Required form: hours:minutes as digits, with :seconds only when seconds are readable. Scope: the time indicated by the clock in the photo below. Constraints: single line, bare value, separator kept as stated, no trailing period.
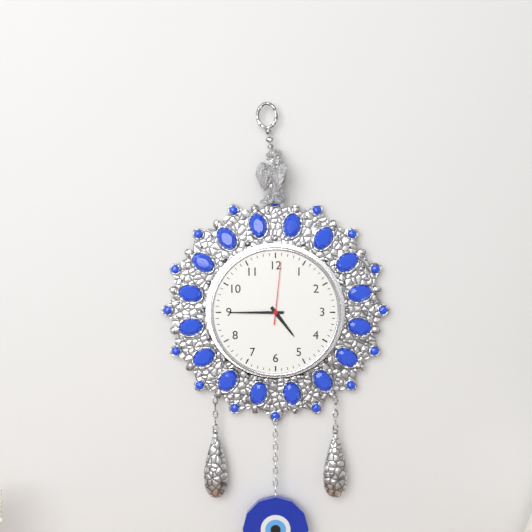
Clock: 4:45:01
